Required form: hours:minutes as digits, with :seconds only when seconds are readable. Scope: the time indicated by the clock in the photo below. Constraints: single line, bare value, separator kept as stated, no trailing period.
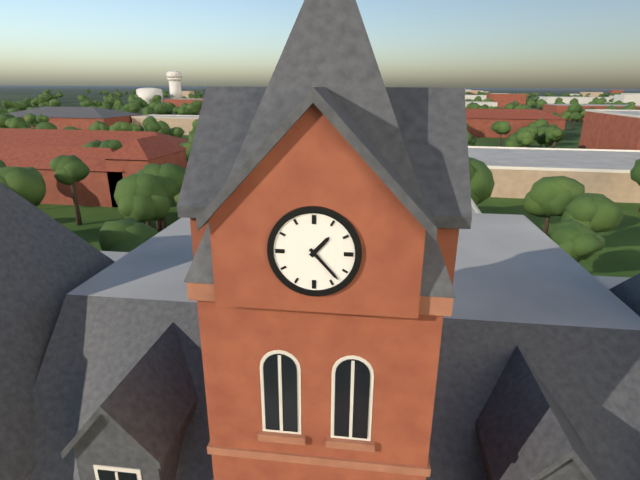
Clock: 1:23
